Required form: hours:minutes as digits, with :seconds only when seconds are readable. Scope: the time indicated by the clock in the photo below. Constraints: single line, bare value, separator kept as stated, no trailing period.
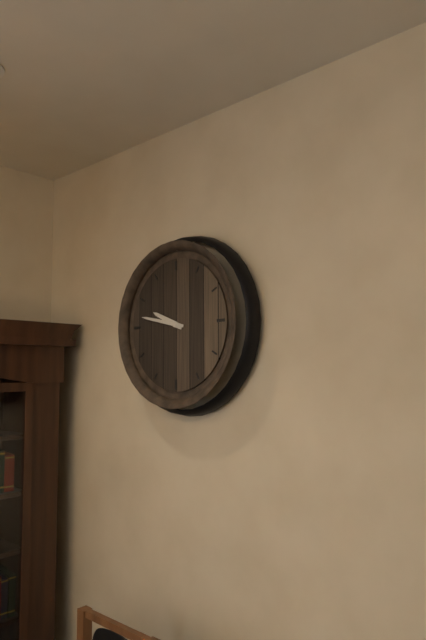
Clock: 9:47
